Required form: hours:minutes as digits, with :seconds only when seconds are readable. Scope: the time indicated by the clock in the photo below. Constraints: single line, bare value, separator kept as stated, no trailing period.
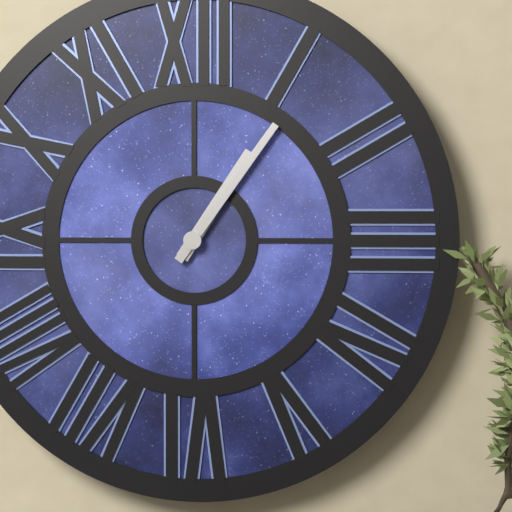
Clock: 1:06
